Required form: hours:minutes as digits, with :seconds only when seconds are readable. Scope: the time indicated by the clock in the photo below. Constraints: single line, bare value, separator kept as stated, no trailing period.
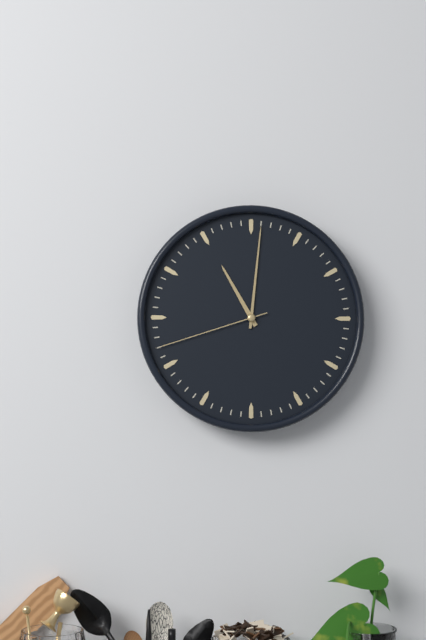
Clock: 11:01:42
